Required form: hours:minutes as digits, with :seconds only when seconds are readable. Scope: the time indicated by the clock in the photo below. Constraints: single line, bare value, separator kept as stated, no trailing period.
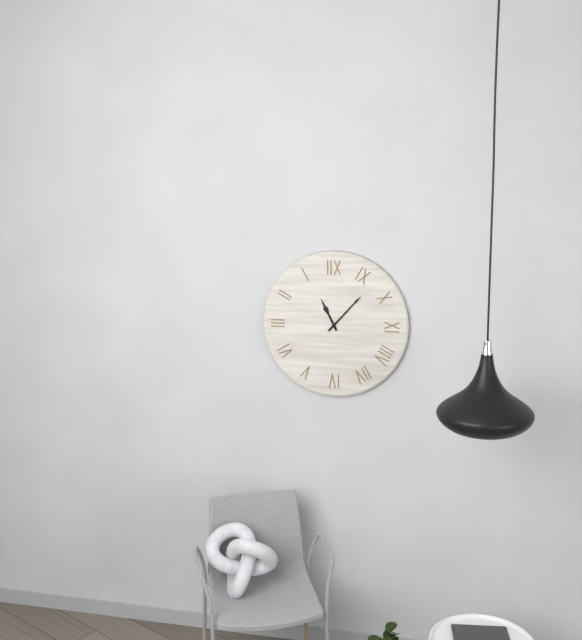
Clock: 11:07
